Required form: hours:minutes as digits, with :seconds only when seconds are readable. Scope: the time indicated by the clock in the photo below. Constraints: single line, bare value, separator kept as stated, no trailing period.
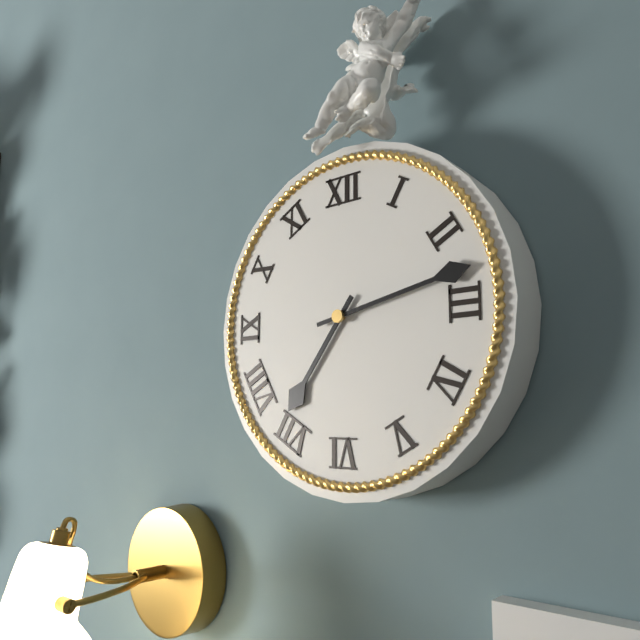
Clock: 7:13
